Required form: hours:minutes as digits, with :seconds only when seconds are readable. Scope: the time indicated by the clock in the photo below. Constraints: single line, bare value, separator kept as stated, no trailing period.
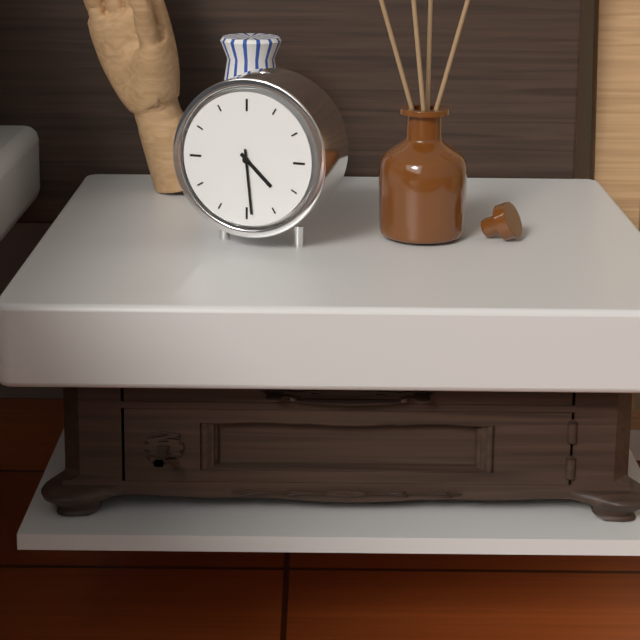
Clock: 4:29
